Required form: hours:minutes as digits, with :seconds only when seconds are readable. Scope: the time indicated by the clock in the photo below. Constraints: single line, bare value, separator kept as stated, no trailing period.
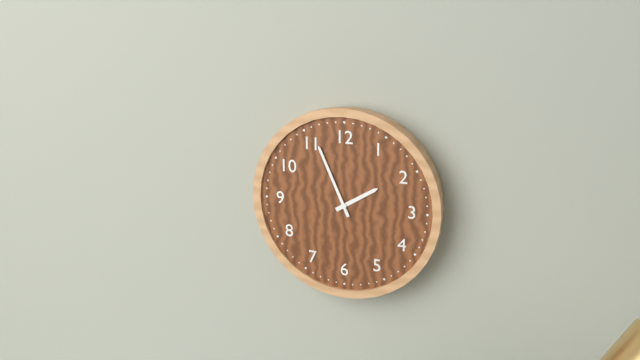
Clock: 1:56
